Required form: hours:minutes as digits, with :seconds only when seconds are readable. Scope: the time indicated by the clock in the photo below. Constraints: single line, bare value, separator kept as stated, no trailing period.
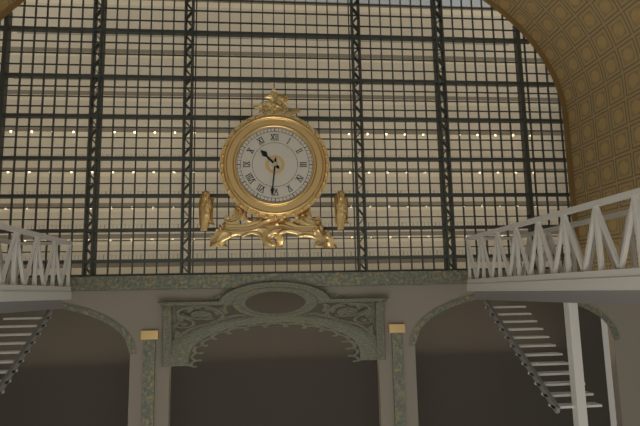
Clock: 10:31
